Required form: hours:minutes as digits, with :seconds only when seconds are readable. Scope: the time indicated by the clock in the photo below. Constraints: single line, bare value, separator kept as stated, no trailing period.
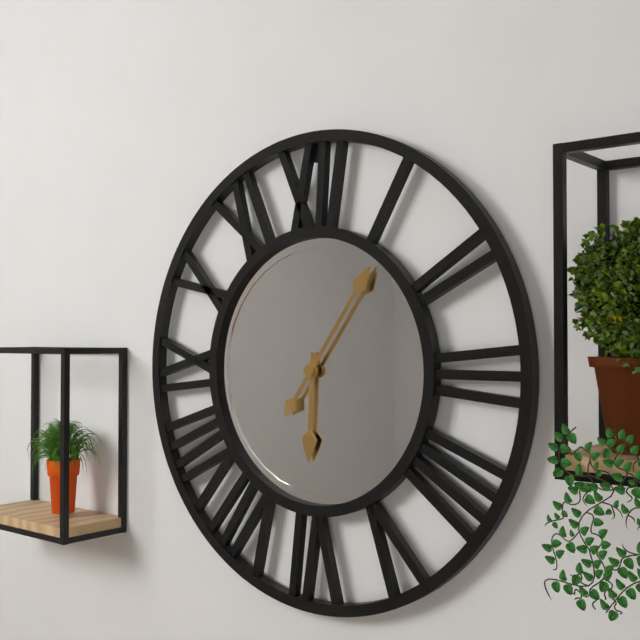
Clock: 6:06
